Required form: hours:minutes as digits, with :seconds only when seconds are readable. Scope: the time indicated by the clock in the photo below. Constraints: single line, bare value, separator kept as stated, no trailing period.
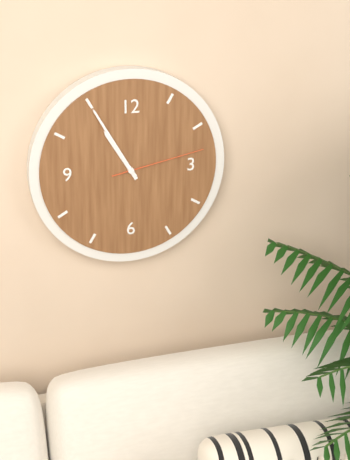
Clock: 10:55:13
